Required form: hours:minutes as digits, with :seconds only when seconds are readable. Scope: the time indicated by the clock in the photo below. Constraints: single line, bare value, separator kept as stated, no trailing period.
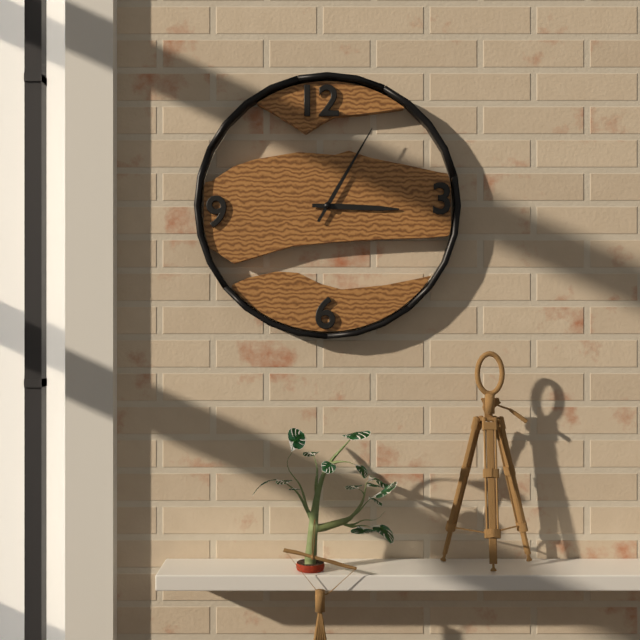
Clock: 3:05
